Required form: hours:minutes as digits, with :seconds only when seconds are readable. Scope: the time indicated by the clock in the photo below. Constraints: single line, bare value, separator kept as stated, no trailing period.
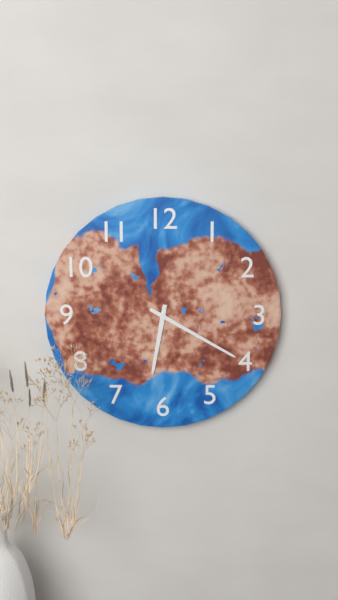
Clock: 6:20
